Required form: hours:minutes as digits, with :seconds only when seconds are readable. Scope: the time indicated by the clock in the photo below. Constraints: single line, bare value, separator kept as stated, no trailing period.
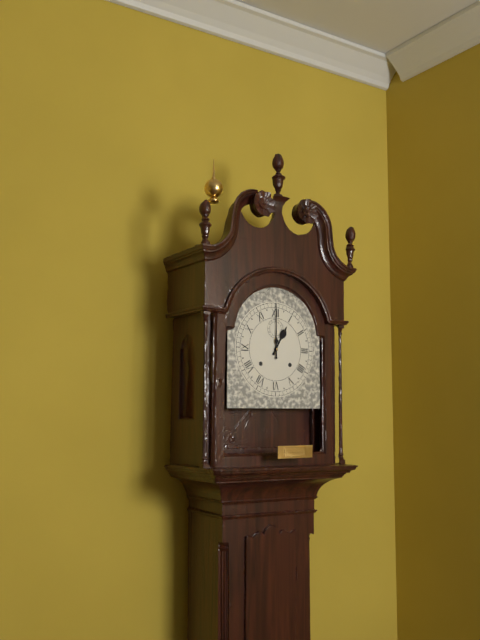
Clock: 1:00
